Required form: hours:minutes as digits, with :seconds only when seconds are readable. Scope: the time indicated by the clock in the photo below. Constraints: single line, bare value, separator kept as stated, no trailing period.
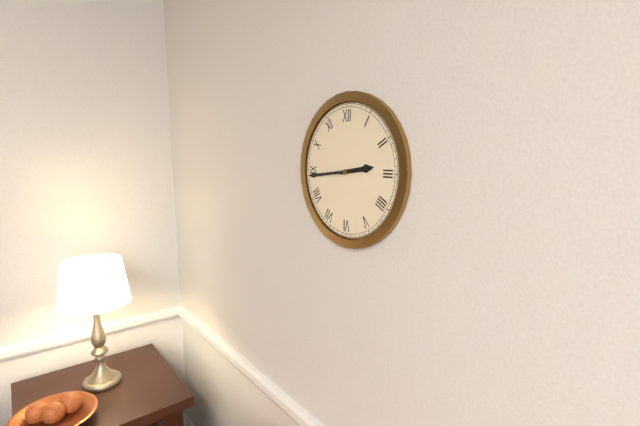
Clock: 2:44
